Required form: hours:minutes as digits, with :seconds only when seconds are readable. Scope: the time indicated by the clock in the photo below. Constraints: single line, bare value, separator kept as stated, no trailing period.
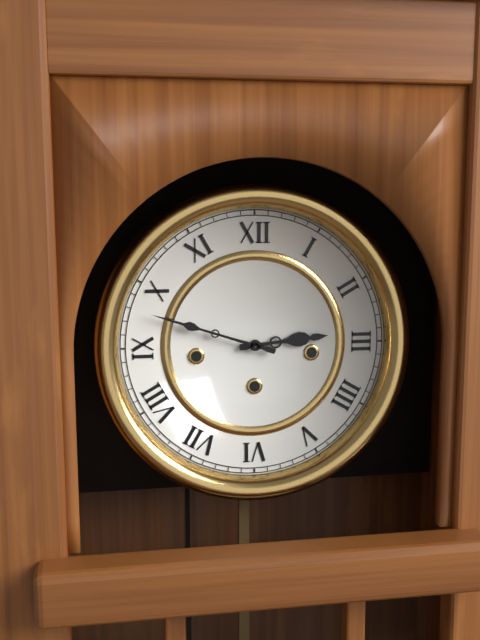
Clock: 2:48
